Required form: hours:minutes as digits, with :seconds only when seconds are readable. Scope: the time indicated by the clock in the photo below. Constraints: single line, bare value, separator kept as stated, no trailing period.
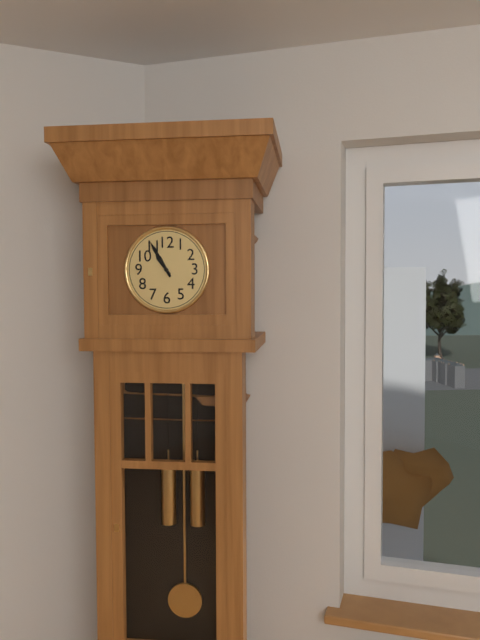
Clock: 10:55
